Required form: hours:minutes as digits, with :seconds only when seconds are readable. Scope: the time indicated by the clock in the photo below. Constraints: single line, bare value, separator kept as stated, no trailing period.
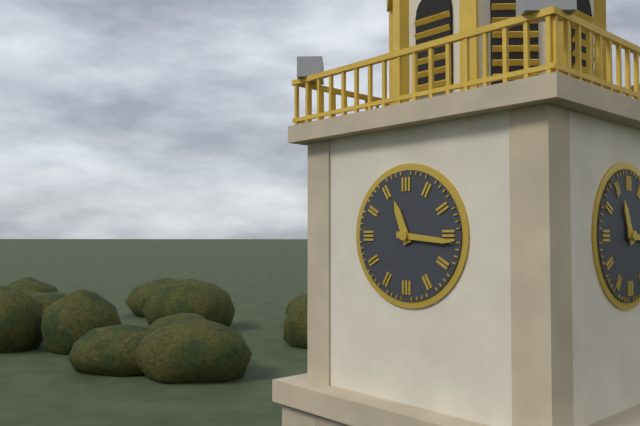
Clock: 11:16
